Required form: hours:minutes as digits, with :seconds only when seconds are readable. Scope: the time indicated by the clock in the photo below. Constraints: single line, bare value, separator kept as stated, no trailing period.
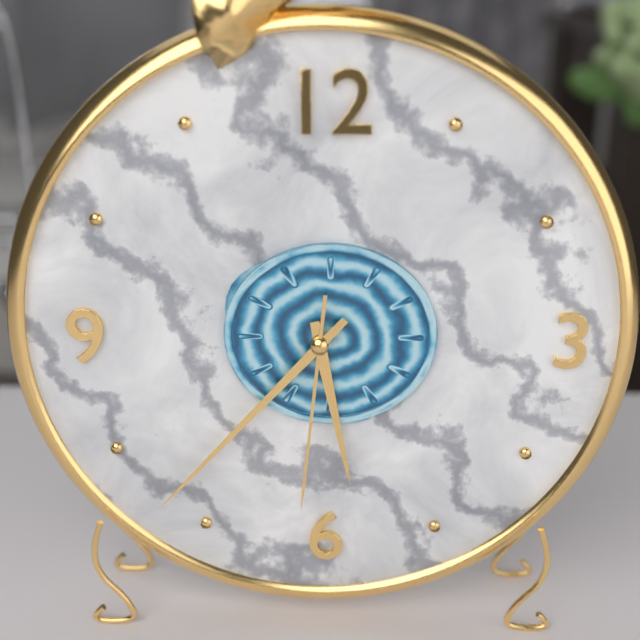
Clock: 5:37:31
